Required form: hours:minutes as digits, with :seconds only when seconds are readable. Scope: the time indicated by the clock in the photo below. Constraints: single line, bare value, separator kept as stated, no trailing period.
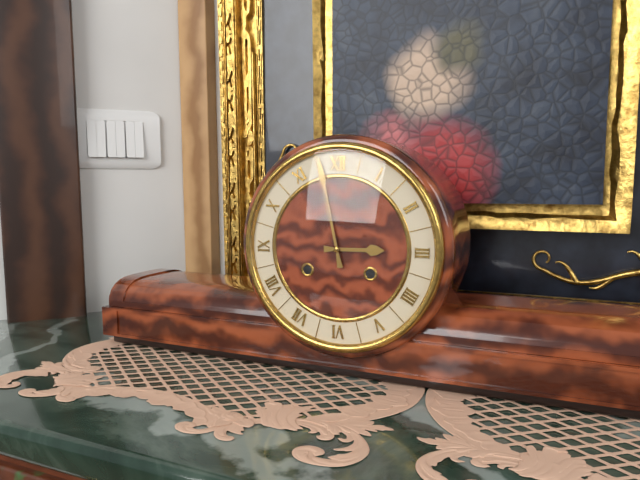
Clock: 2:58
